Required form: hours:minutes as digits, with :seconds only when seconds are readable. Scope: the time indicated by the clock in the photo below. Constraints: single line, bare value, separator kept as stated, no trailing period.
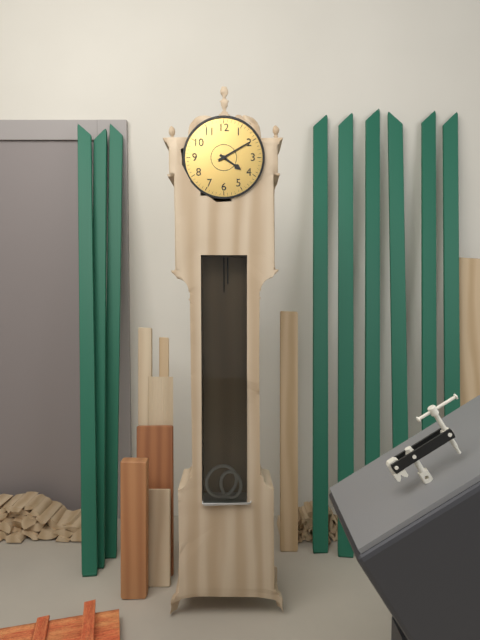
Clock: 4:10
